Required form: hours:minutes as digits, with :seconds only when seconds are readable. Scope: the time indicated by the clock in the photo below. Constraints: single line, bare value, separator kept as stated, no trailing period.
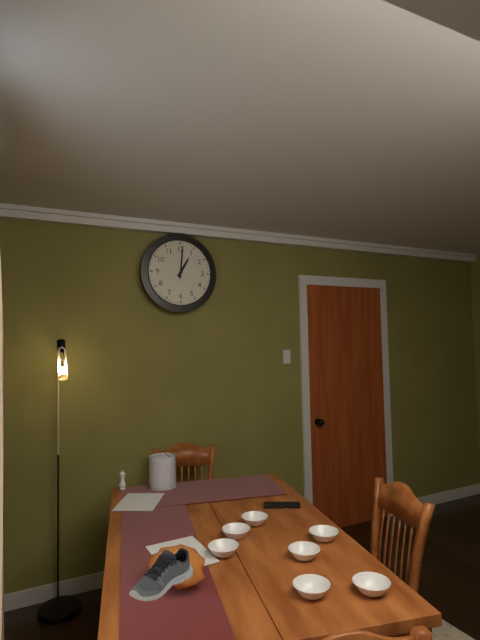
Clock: 1:01
